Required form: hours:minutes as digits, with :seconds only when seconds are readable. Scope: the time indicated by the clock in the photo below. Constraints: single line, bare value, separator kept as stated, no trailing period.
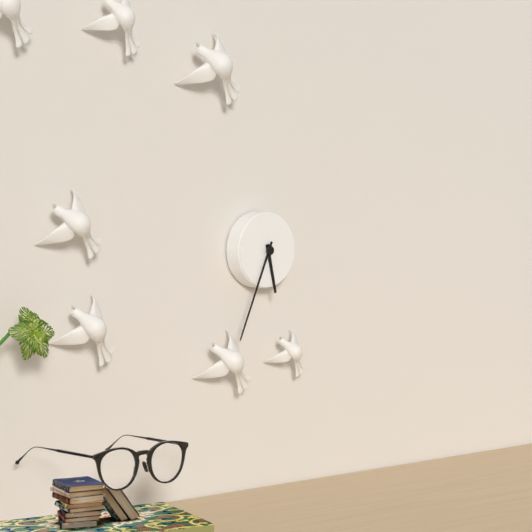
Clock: 5:34
